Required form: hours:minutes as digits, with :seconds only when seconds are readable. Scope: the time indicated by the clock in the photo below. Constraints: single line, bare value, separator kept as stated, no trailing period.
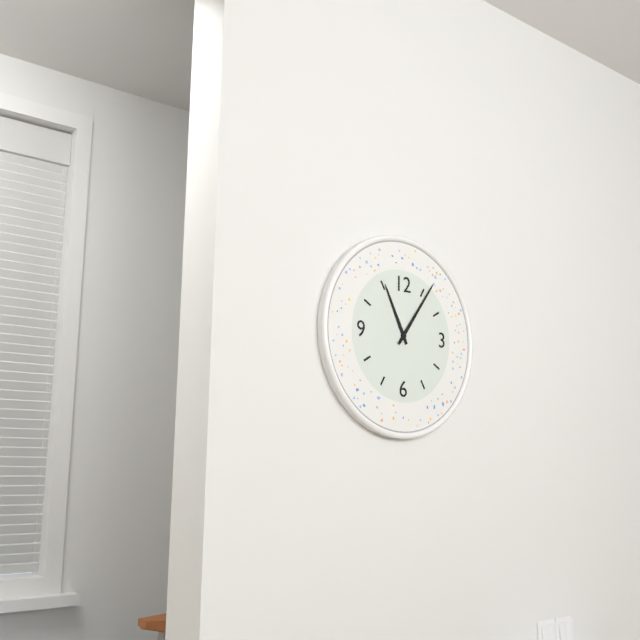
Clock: 11:06
